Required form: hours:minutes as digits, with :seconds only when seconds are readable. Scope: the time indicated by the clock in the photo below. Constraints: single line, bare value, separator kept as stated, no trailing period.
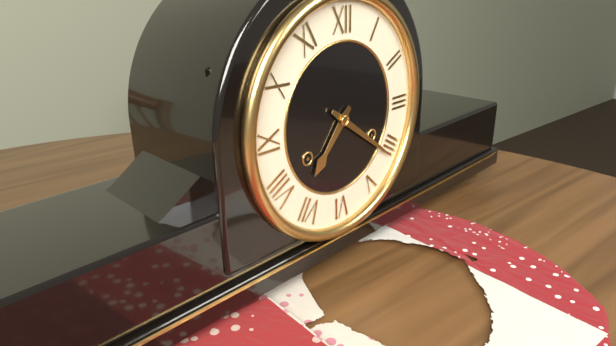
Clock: 7:21
